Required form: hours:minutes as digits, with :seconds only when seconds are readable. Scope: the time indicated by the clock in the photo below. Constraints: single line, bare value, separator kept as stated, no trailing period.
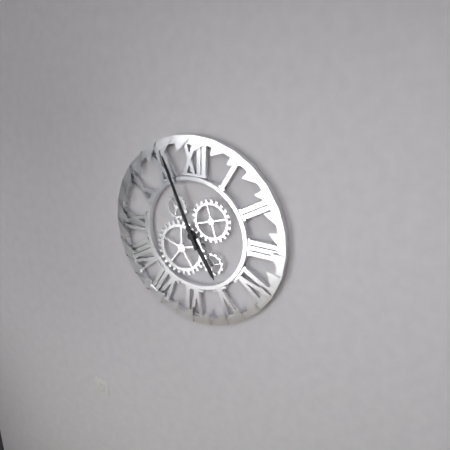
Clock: 4:56
